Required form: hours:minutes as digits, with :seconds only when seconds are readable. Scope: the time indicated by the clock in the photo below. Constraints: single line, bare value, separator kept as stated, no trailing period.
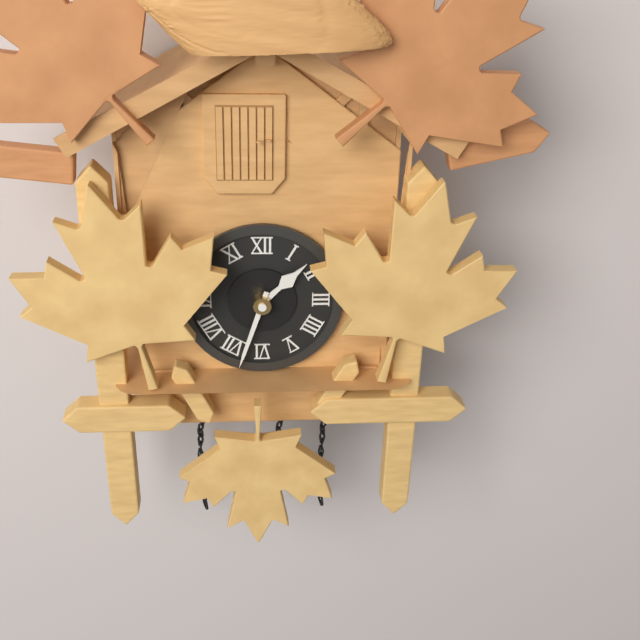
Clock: 1:33
